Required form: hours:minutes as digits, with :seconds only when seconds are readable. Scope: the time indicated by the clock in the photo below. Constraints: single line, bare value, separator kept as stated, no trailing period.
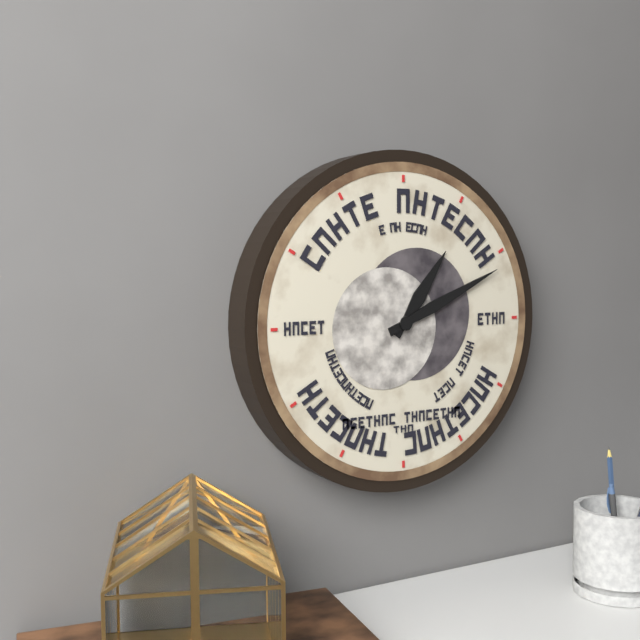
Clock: 1:11
